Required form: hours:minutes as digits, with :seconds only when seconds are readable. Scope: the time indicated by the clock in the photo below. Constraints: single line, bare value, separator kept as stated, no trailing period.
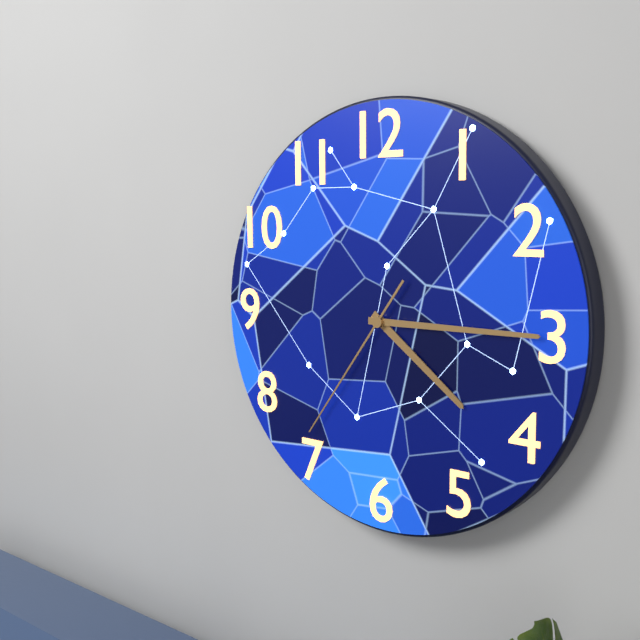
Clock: 4:15:36
